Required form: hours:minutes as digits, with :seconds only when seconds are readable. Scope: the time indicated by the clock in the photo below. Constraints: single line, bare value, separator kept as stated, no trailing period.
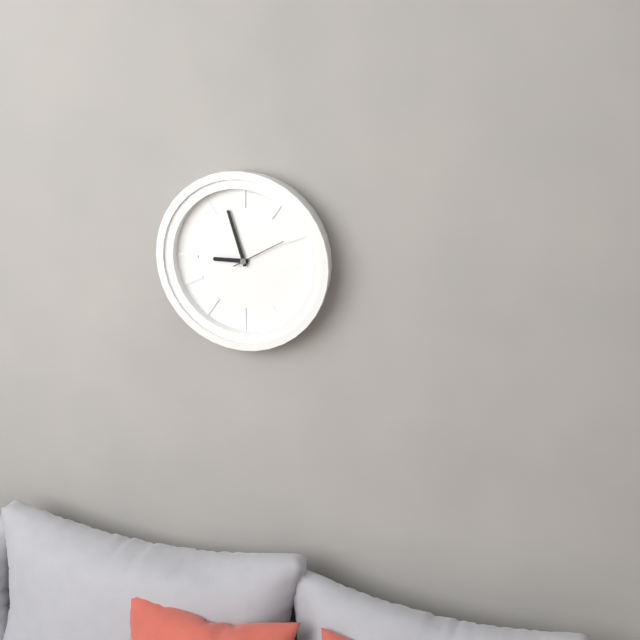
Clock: 8:57:10
